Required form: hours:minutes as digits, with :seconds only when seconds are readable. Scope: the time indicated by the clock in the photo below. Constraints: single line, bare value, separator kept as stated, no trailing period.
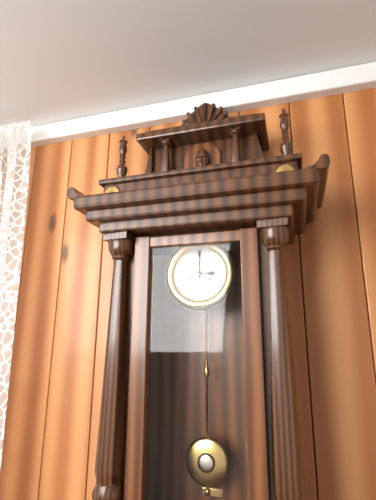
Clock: 3:00
